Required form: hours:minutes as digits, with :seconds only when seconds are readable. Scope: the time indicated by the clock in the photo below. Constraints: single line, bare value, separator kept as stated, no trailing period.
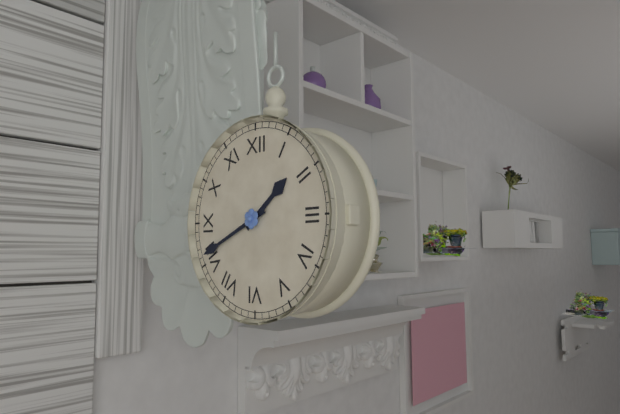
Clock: 1:41
